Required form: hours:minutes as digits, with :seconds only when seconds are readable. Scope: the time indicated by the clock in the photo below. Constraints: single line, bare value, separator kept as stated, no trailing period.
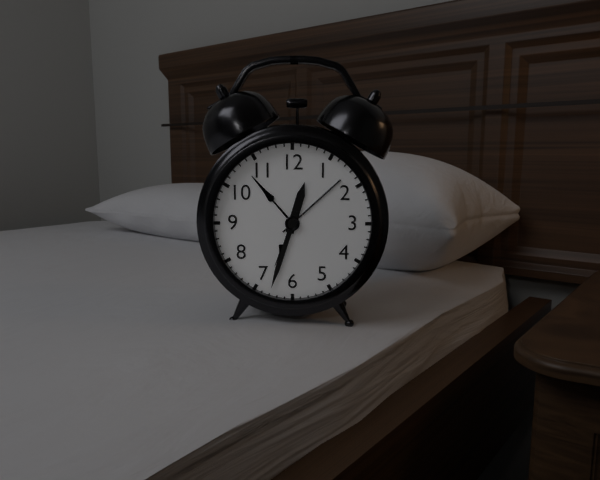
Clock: 12:33
